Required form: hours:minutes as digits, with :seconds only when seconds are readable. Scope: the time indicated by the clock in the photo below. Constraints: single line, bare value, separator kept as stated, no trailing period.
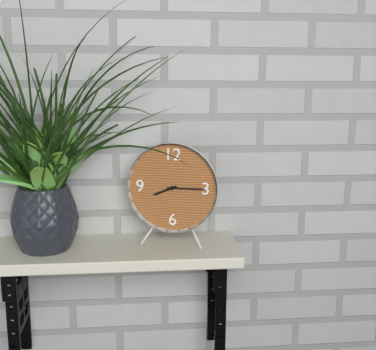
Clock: 8:15
